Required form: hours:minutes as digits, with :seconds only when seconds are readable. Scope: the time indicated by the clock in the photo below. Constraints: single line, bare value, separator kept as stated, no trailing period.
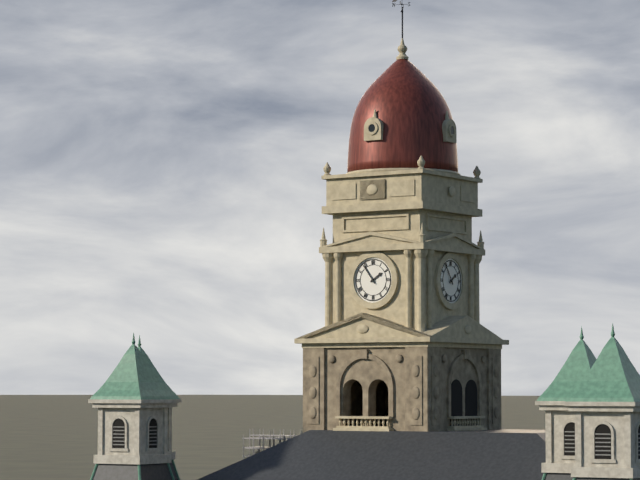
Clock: 1:54
